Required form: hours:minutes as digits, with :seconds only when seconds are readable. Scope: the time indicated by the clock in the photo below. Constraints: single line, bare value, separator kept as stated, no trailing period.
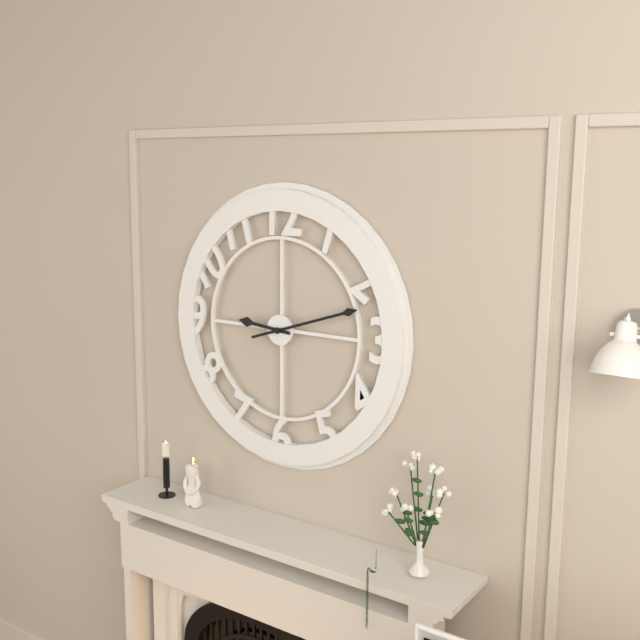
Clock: 9:12
